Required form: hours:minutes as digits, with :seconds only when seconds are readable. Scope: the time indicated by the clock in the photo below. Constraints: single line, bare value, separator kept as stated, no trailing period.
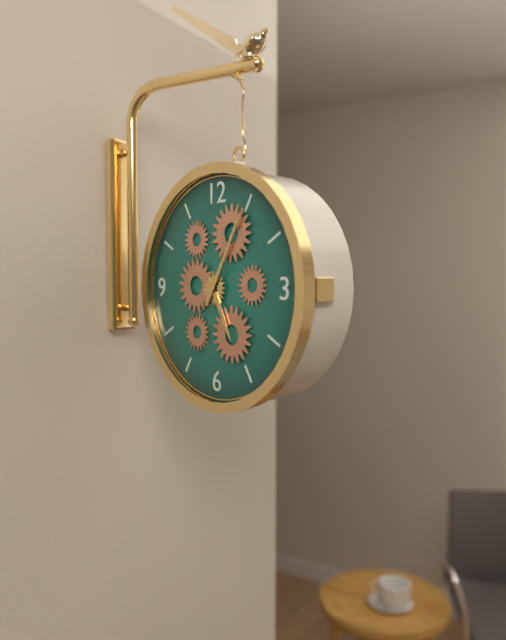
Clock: 5:05
